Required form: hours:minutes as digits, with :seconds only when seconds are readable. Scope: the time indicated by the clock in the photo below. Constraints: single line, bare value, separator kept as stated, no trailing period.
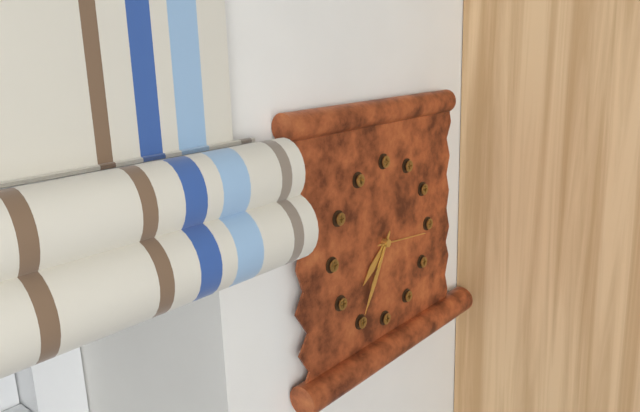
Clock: 7:35
